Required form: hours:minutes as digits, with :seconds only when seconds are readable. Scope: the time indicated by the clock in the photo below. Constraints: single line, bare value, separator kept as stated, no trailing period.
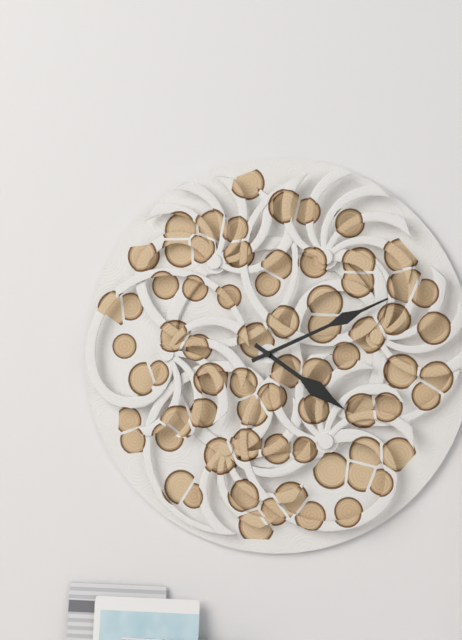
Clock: 4:11
